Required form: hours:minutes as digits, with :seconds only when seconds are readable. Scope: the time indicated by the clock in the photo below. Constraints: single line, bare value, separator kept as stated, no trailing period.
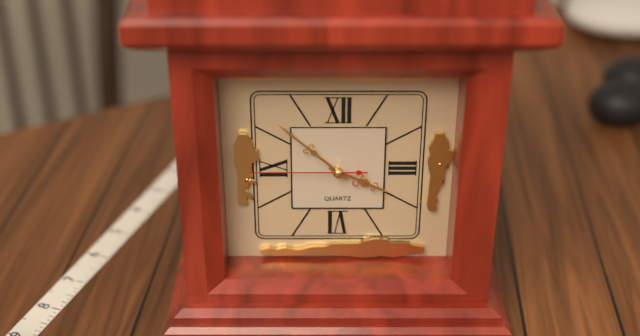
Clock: 3:52:45
